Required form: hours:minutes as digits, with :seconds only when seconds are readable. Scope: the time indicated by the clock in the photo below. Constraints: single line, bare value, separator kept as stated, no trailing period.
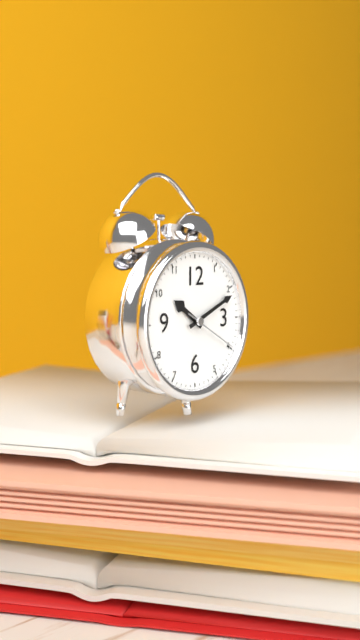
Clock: 10:11:20
